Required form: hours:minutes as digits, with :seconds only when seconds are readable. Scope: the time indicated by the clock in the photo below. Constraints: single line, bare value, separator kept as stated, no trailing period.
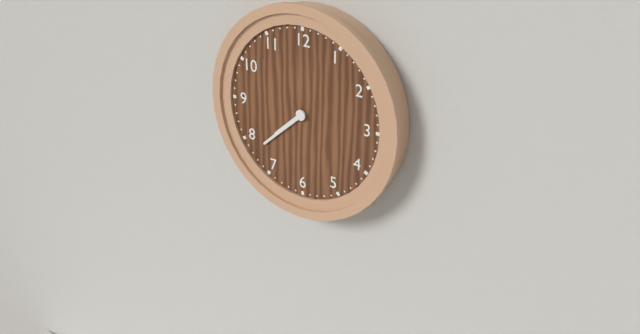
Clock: 7:38
